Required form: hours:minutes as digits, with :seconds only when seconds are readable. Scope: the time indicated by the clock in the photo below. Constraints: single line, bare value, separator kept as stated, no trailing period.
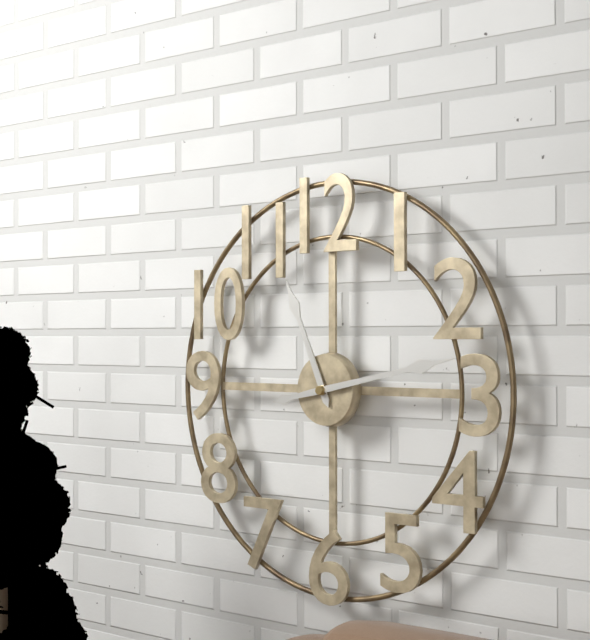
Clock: 11:13
